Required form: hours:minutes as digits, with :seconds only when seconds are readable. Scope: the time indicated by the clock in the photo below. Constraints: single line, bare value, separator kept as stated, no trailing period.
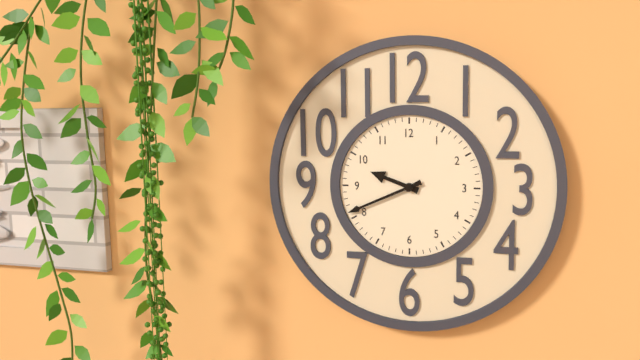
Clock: 9:41
